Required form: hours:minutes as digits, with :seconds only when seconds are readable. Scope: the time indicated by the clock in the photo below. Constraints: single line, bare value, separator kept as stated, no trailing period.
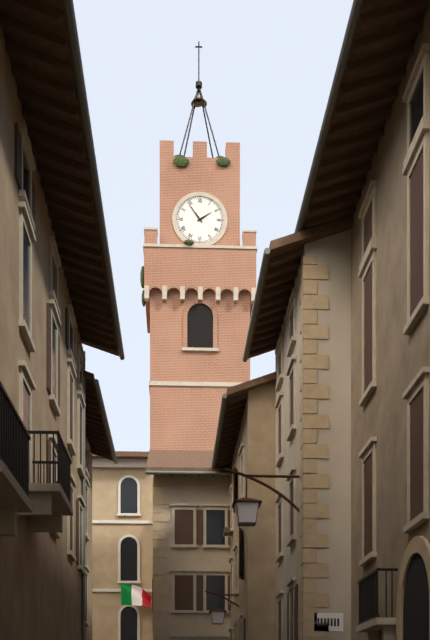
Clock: 1:54
